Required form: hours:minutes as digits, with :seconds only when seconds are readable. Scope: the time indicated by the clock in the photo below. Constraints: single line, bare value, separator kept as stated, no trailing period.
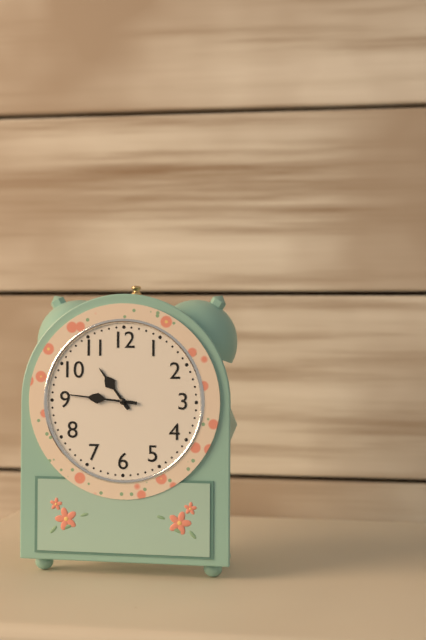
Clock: 10:46
